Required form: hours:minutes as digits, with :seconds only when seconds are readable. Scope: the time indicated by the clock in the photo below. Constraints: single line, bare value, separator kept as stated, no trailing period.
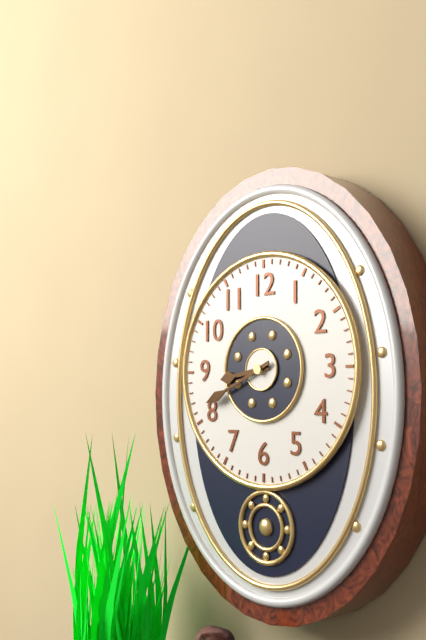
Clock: 8:41
